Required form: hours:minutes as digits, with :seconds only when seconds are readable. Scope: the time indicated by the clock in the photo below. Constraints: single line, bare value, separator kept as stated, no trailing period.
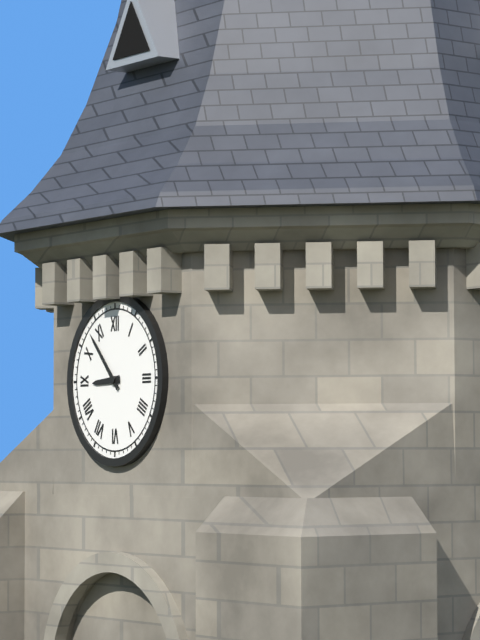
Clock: 8:53
